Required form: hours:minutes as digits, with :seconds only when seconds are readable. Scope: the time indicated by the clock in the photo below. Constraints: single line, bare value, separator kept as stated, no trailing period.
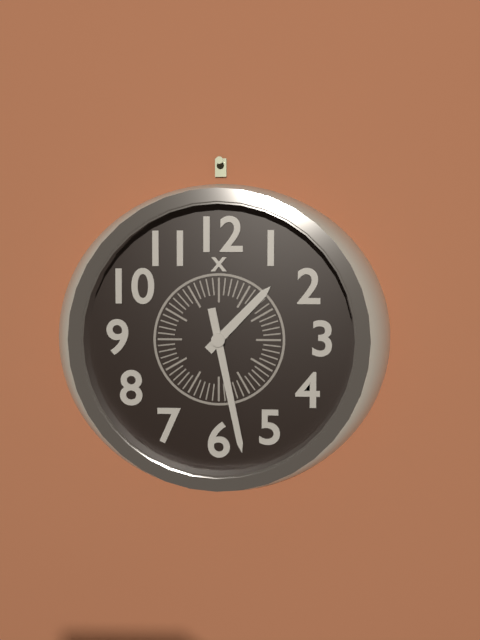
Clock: 1:28
